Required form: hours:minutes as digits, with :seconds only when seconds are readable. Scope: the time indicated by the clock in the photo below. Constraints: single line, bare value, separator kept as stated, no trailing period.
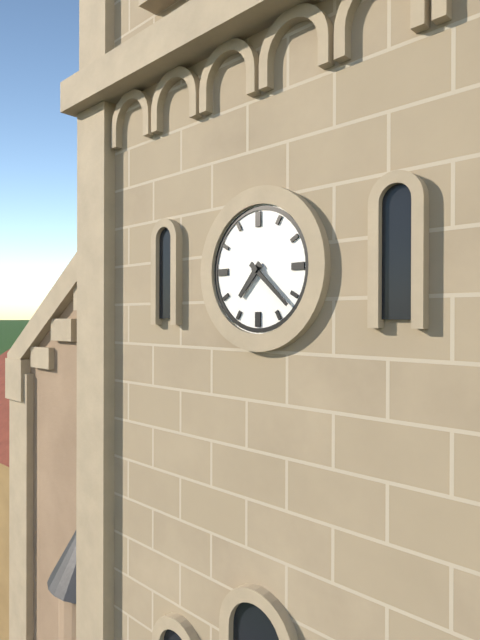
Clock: 7:22
